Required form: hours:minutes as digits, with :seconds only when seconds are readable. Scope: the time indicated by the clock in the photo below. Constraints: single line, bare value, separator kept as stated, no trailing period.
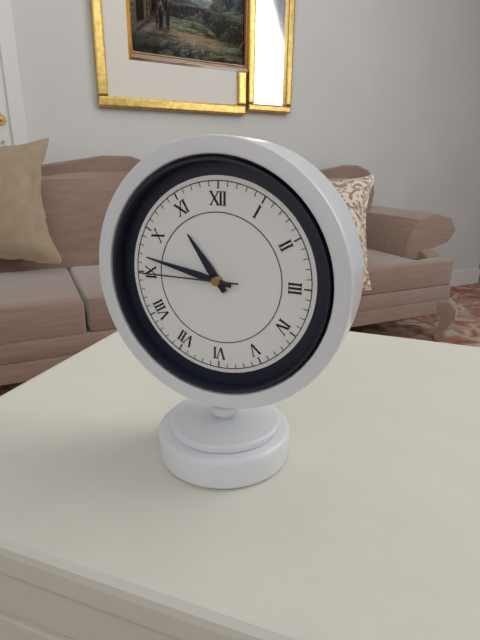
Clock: 10:47:45
